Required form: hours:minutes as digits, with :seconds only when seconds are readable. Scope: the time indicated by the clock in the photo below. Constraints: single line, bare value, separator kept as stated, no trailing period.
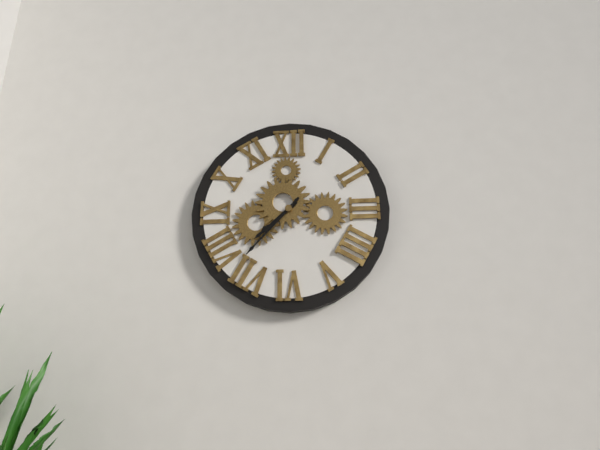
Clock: 7:37
